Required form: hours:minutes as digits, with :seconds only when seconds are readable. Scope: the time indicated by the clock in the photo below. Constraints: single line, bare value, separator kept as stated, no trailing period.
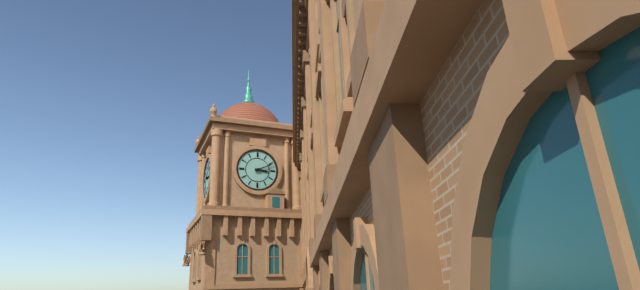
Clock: 3:11
